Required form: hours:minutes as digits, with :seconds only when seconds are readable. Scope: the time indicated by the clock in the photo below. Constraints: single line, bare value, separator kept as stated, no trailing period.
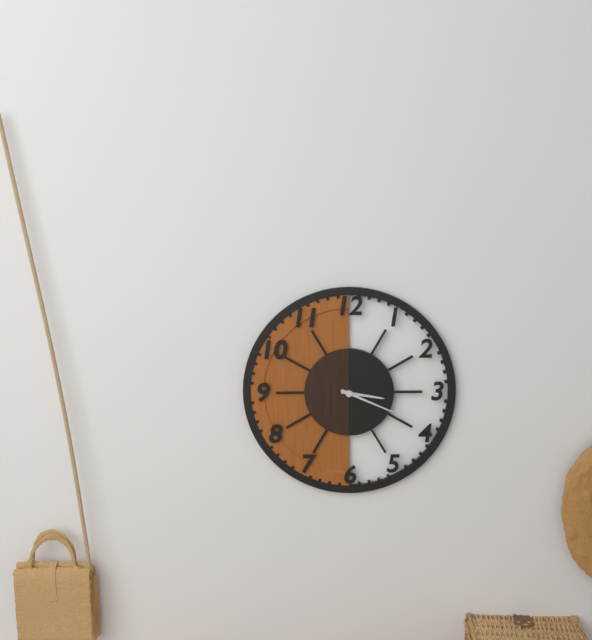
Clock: 3:19
